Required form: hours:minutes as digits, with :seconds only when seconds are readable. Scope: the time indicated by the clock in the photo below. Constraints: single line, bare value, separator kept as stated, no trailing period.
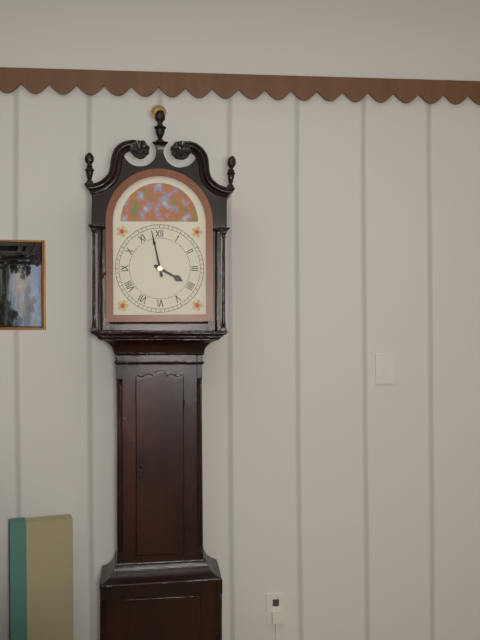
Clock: 3:58
